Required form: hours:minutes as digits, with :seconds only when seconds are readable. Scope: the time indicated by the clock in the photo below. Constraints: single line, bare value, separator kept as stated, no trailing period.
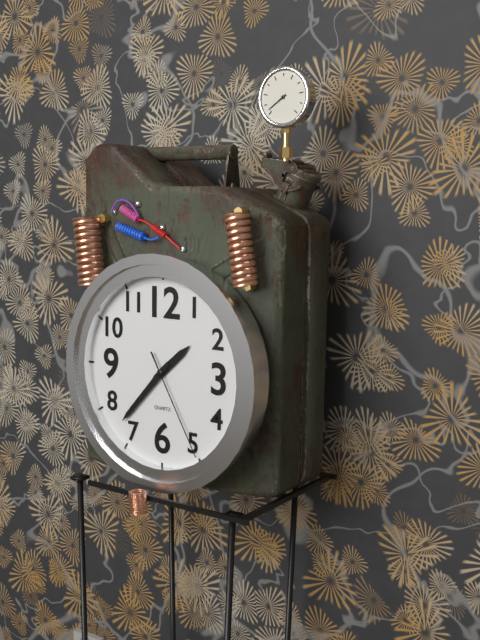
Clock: 1:37:25
